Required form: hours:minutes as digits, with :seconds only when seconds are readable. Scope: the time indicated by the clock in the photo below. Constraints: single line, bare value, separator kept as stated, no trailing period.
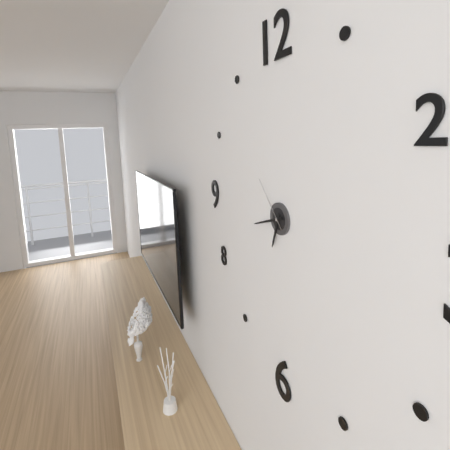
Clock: 6:42:53
